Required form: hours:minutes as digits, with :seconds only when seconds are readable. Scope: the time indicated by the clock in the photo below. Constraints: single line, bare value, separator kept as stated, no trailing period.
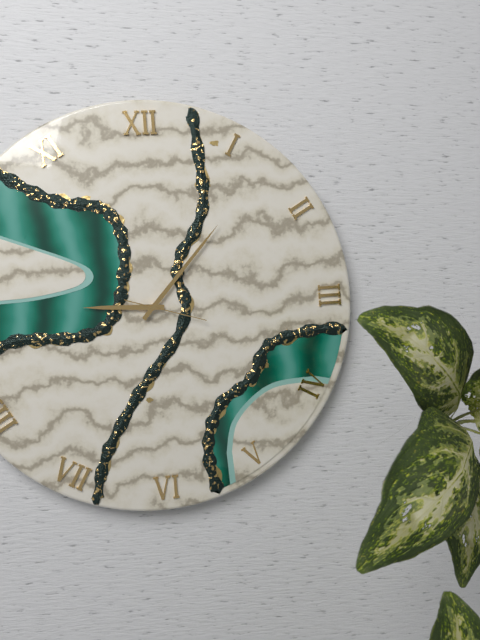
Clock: 9:07:18
